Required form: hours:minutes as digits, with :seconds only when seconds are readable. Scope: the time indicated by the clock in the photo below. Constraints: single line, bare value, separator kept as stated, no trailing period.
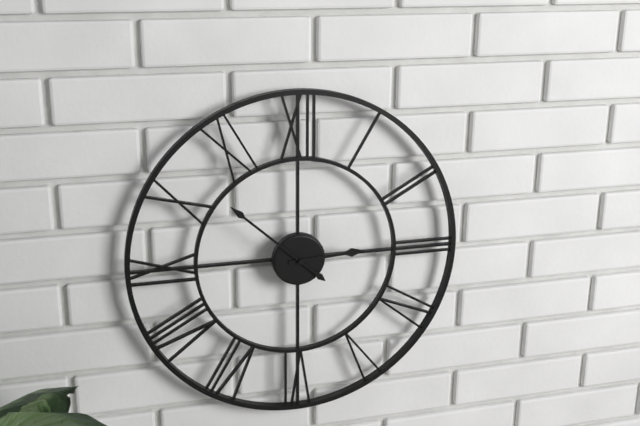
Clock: 2:52
